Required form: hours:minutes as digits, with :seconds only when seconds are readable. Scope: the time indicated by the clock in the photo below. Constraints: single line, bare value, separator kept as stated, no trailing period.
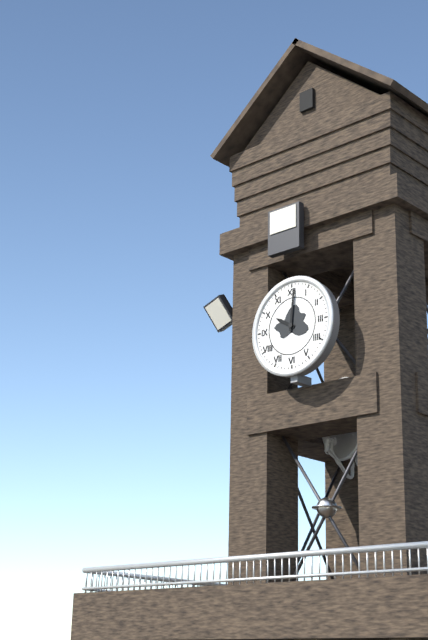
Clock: 10:01
